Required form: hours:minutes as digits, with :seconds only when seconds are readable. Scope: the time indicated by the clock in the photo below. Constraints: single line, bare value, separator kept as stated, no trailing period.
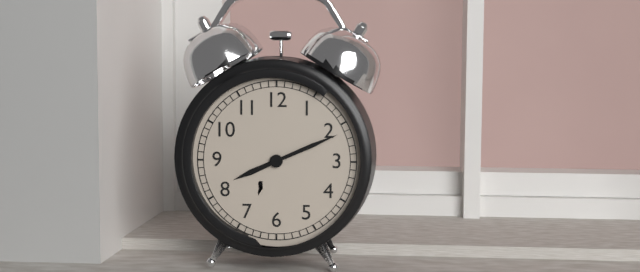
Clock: 8:11
